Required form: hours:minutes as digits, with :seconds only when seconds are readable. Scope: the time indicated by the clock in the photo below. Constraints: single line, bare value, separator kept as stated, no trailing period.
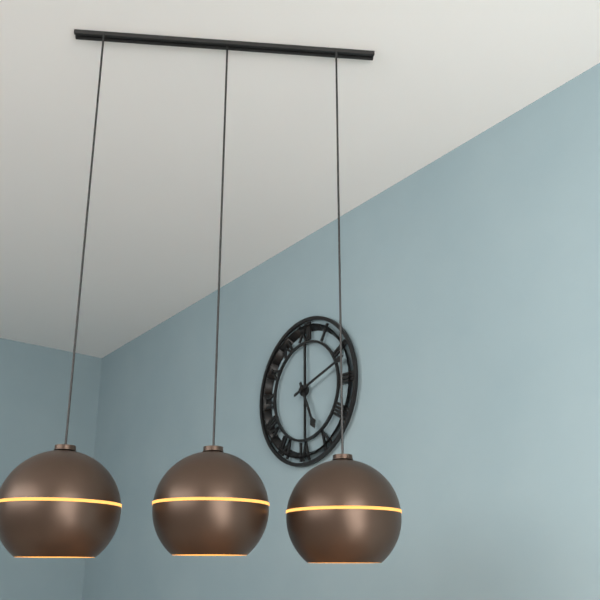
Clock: 5:12
